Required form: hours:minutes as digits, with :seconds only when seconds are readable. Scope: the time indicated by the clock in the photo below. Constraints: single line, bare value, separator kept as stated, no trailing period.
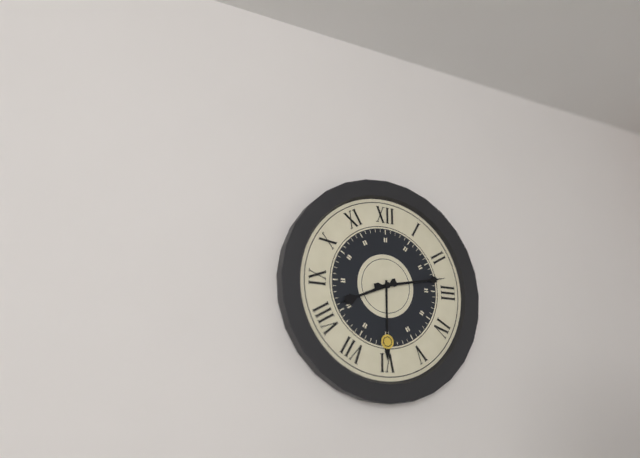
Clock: 8:13
